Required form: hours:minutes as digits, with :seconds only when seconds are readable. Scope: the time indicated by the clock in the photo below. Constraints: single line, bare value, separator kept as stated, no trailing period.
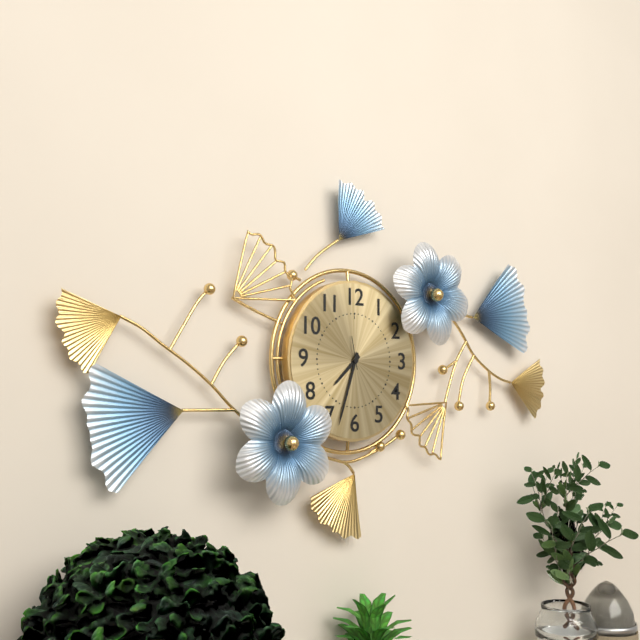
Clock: 7:33
